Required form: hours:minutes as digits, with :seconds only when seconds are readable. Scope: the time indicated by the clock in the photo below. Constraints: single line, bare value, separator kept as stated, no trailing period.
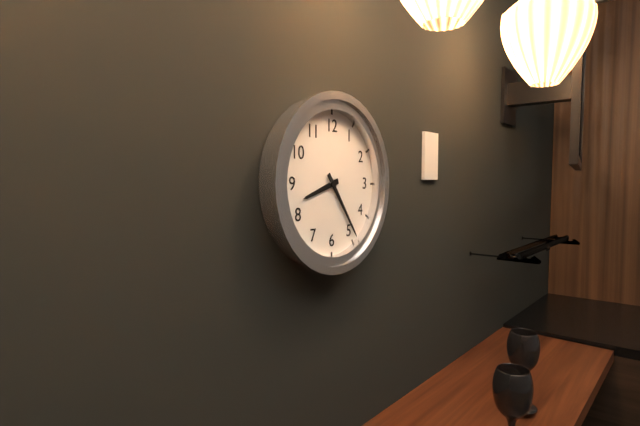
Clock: 8:24
